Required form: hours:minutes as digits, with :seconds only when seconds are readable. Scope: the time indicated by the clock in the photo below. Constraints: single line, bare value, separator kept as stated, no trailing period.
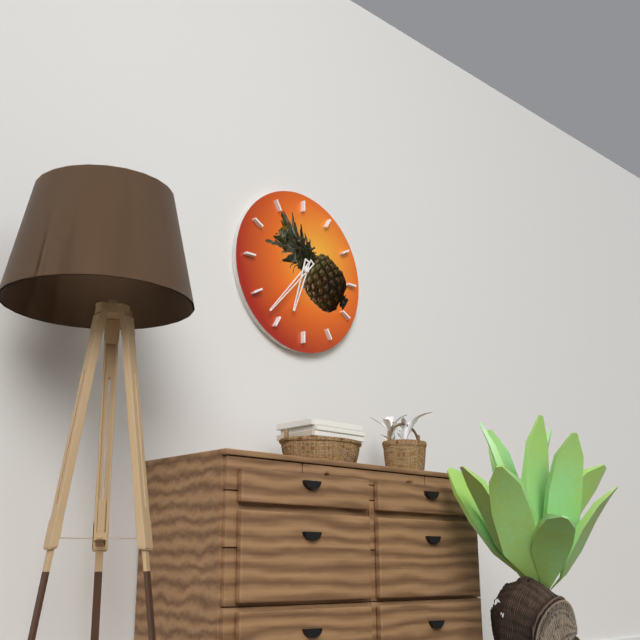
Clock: 6:37
